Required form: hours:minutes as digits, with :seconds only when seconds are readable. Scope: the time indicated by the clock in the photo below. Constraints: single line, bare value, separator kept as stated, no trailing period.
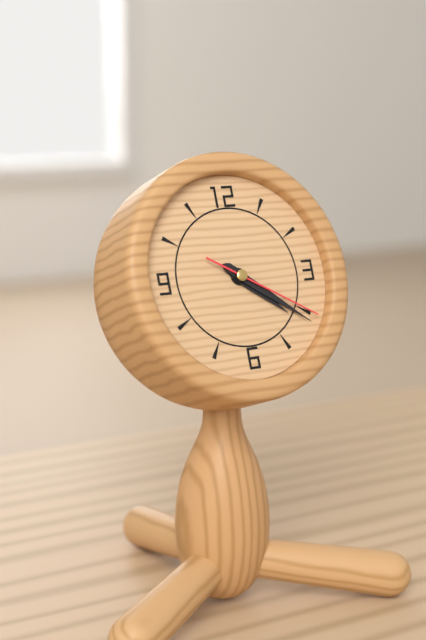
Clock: 4:21:20
